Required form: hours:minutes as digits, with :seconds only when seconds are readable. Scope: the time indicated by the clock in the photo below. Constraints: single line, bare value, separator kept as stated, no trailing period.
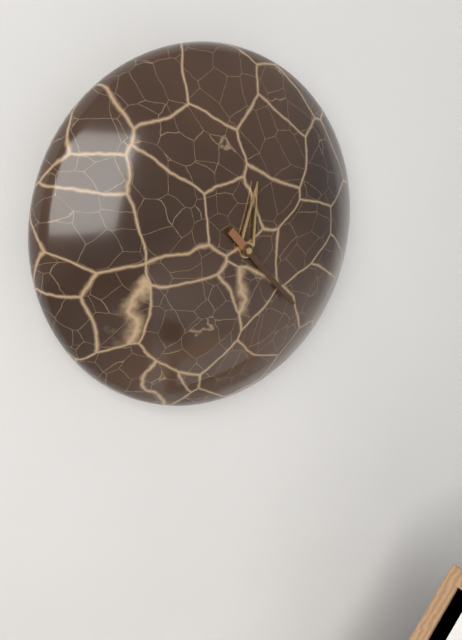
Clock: 12:23
